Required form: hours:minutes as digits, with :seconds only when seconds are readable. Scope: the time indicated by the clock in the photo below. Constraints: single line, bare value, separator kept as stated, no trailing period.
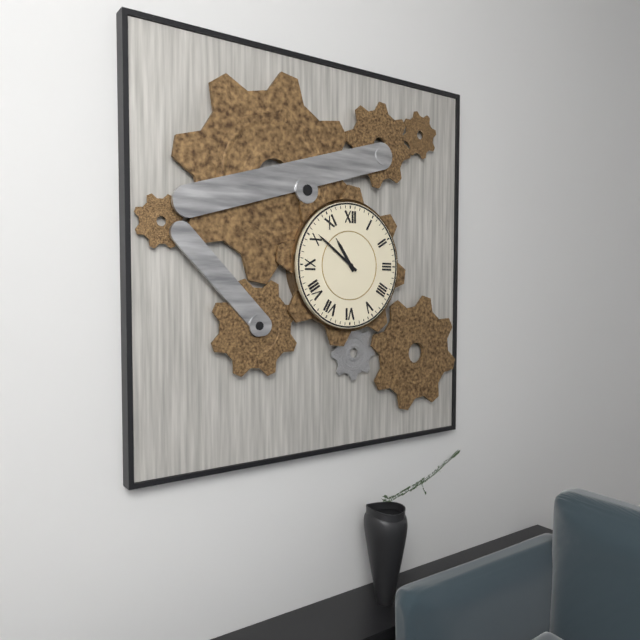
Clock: 10:51
